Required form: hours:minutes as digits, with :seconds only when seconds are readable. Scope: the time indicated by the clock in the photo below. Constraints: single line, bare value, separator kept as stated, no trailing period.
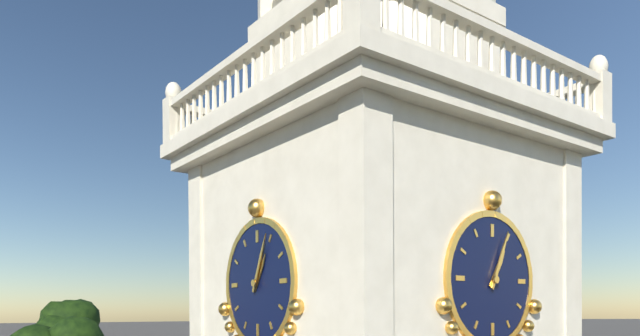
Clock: 1:04
